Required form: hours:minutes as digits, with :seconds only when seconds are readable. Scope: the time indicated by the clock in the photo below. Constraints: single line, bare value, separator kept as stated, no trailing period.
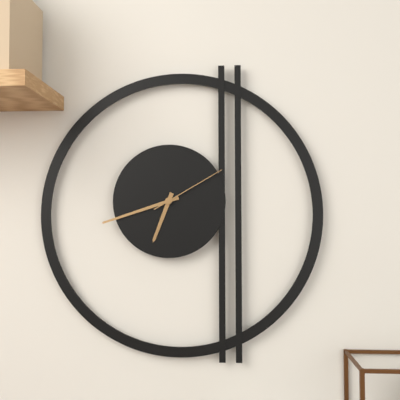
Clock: 6:42:10
